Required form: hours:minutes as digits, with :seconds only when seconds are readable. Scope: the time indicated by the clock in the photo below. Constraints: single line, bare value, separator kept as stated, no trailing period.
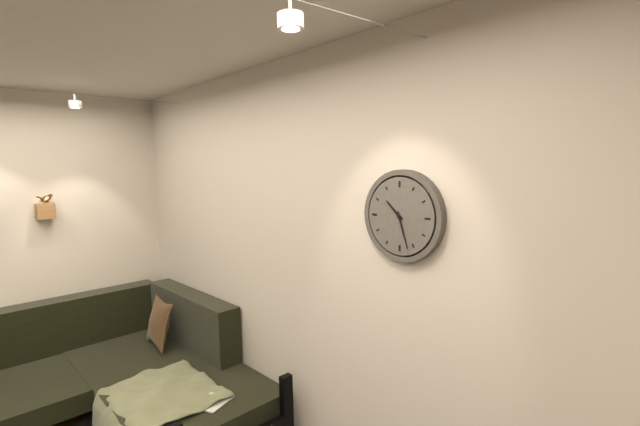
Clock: 10:27
